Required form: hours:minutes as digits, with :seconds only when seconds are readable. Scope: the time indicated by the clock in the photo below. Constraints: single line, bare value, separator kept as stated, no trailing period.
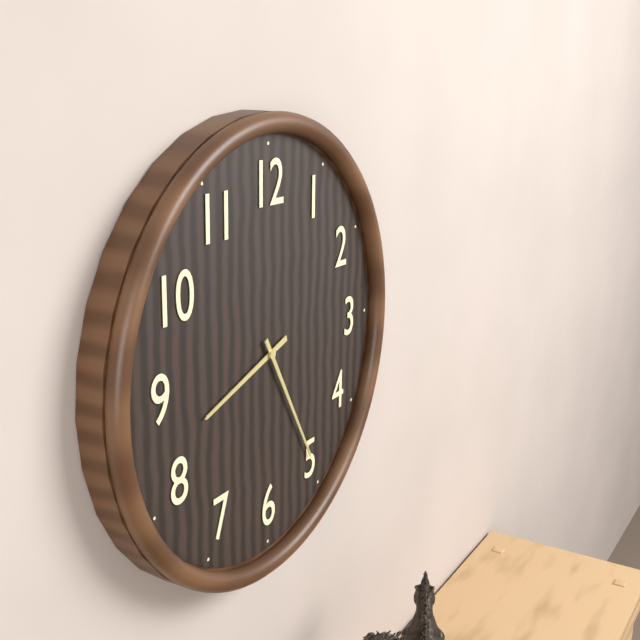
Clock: 8:25
